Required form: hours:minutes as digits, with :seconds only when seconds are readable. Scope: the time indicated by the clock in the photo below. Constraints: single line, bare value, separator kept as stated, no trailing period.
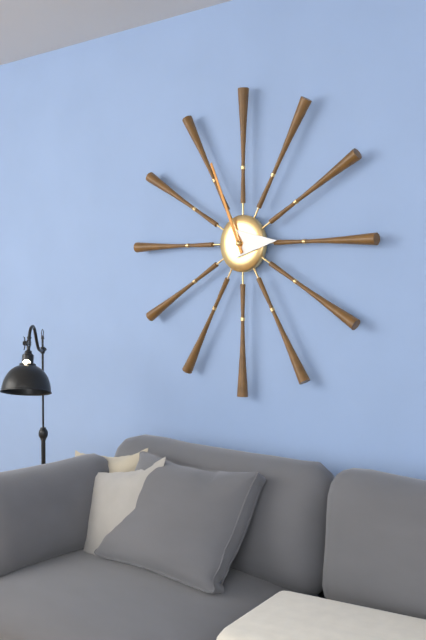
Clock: 2:56
